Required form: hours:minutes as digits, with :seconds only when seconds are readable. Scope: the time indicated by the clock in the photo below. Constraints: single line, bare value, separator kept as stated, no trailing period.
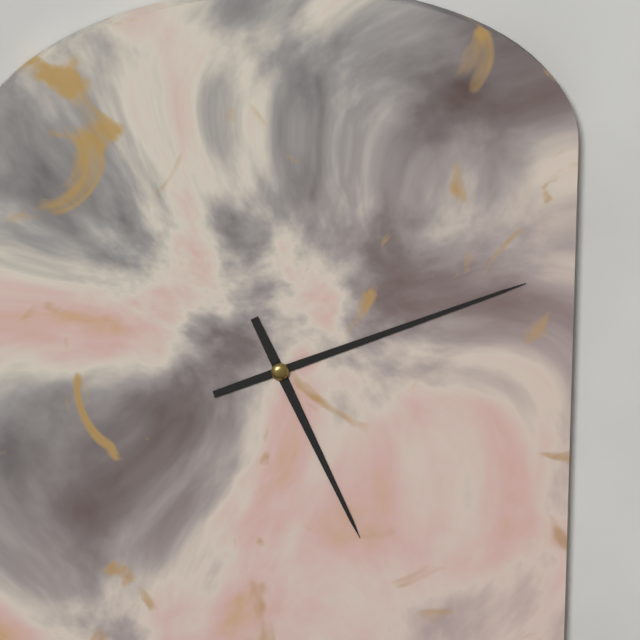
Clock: 5:12
